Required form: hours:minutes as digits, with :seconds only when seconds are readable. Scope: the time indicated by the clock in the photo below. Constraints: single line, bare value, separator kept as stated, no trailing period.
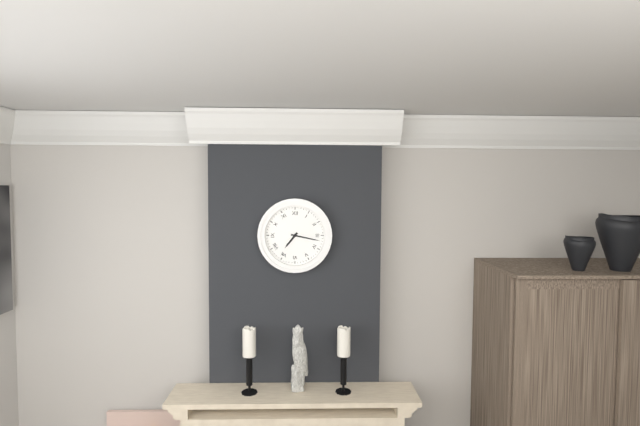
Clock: 7:17
